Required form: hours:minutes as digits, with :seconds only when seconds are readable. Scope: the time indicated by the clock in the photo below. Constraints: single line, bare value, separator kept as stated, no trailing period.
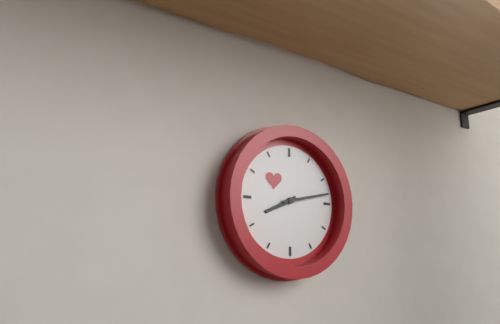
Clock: 8:13
